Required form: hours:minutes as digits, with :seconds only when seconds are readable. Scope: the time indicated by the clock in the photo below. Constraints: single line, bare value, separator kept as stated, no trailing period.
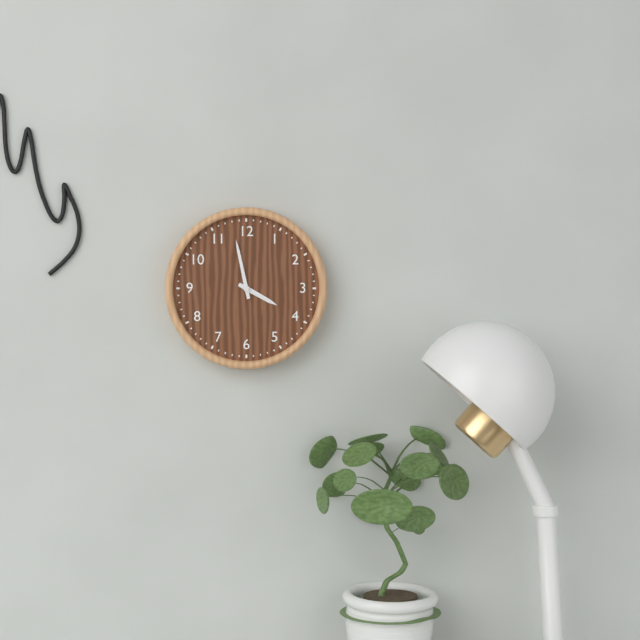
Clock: 3:58
